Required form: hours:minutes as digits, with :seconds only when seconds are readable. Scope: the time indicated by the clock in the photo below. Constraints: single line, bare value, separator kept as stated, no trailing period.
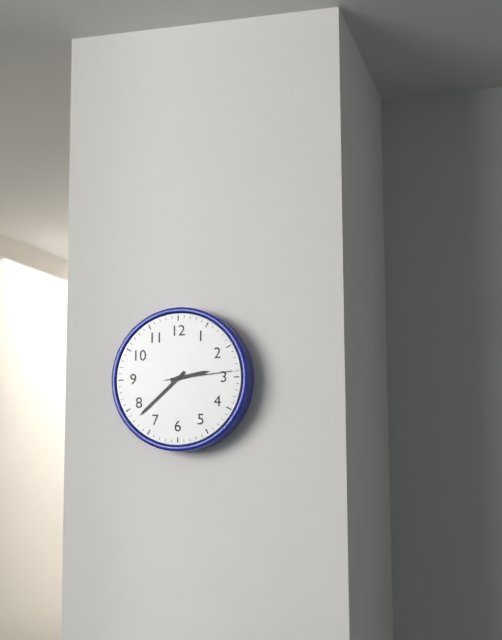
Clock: 2:38:14
